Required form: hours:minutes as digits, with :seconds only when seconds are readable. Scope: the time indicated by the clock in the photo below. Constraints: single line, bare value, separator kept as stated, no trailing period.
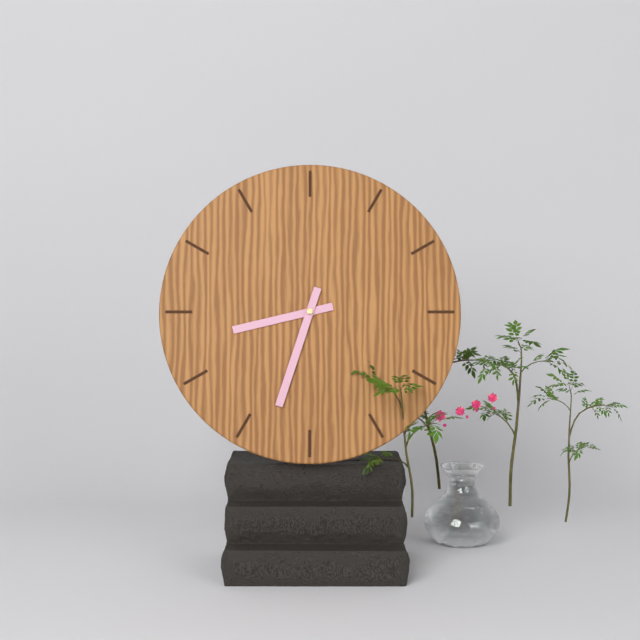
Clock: 8:33
